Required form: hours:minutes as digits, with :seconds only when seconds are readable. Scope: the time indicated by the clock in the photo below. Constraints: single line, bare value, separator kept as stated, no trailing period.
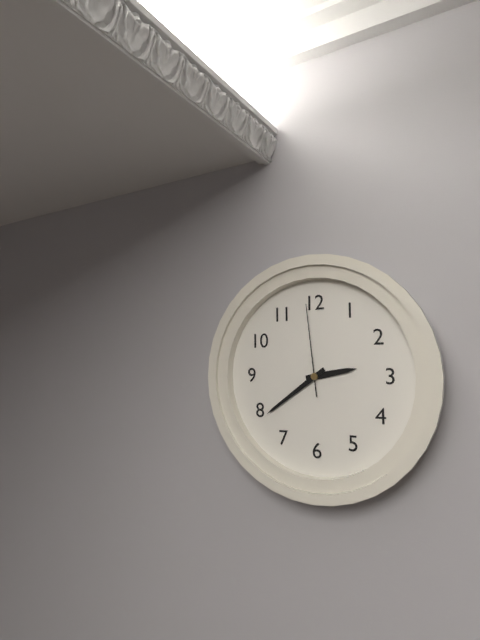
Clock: 2:39:59
